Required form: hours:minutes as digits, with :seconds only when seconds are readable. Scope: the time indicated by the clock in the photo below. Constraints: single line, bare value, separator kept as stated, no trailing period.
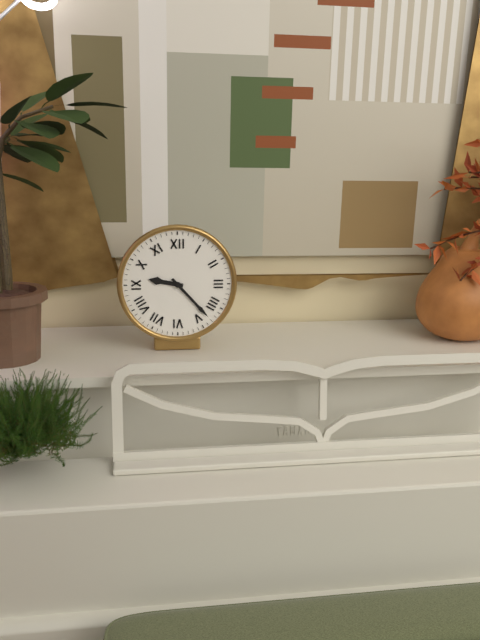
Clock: 9:23
